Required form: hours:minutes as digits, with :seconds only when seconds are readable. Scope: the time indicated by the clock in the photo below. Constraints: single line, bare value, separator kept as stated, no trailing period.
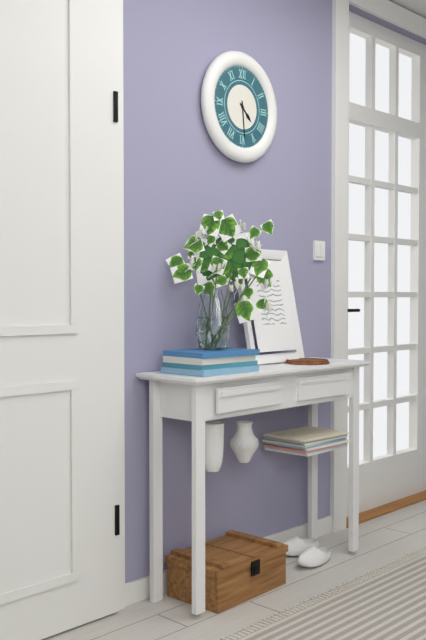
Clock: 4:29
